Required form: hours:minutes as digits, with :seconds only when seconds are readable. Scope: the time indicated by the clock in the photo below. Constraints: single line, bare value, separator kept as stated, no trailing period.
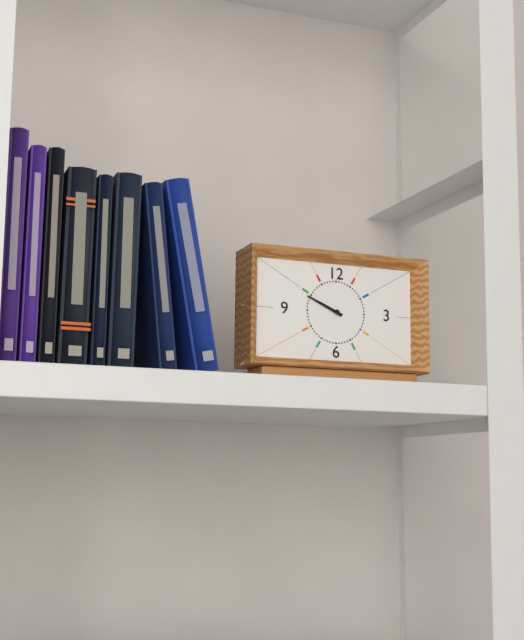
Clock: 9:49
